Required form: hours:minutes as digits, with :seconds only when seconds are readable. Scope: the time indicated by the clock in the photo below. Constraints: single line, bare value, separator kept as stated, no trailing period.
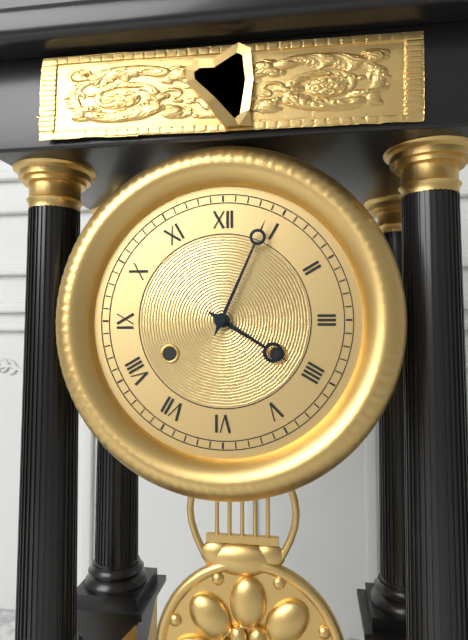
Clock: 4:04
